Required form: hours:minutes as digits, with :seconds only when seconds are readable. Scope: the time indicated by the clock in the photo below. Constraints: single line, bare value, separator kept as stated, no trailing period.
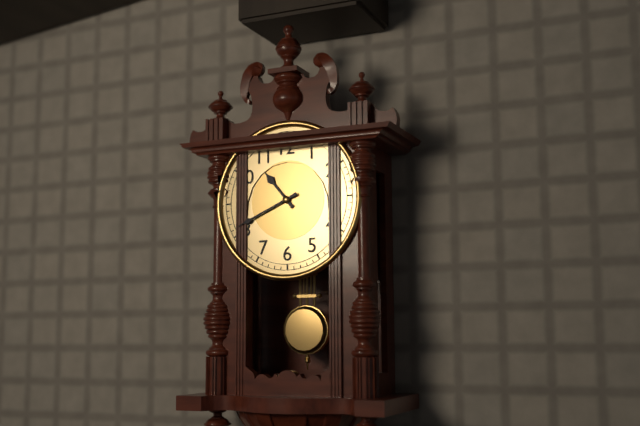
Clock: 10:41
